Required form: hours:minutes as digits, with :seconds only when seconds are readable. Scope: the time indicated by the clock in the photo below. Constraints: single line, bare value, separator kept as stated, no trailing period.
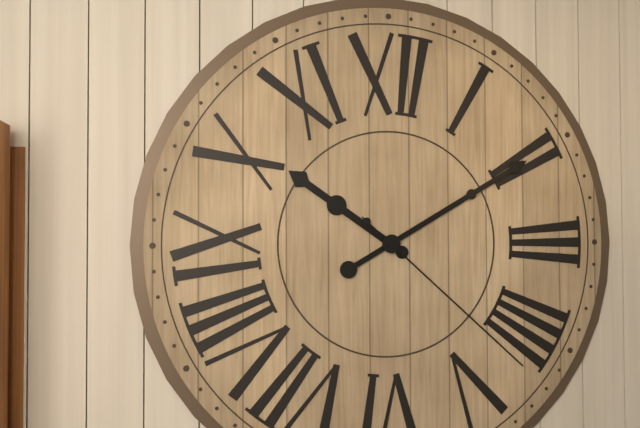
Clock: 10:10:22
